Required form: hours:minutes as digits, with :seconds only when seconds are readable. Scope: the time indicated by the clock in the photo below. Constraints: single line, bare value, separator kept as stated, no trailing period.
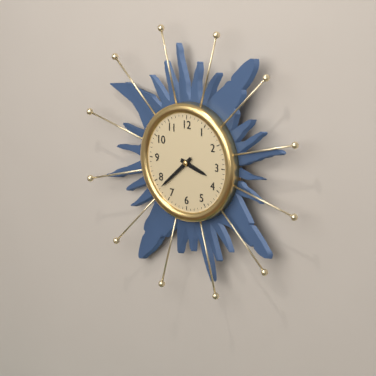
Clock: 3:38
